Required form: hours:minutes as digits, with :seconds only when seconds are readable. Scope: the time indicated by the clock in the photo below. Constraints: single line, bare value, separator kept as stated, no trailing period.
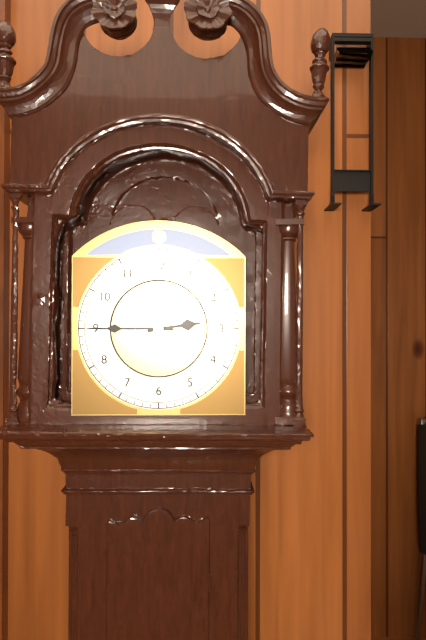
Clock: 2:45
